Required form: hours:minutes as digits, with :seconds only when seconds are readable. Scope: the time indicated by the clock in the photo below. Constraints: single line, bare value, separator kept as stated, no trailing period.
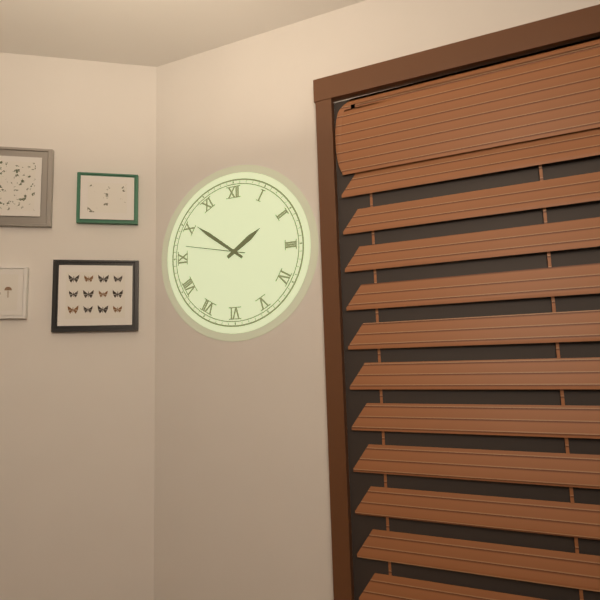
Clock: 1:51:47
